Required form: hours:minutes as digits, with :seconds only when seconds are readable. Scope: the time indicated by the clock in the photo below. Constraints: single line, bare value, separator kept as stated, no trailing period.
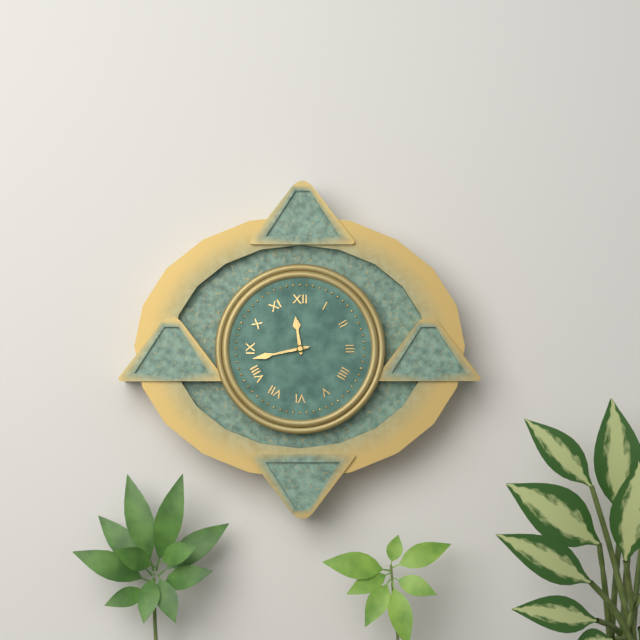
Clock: 11:43
